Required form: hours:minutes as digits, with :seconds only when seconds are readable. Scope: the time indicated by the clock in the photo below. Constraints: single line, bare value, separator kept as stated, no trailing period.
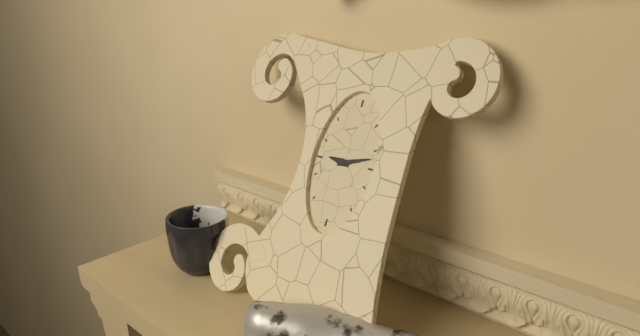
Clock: 9:12
